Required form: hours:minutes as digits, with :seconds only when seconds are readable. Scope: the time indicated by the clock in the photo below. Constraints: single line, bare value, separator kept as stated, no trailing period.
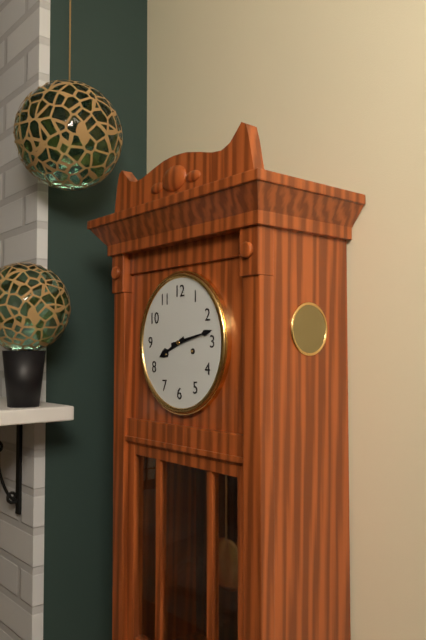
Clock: 8:13
